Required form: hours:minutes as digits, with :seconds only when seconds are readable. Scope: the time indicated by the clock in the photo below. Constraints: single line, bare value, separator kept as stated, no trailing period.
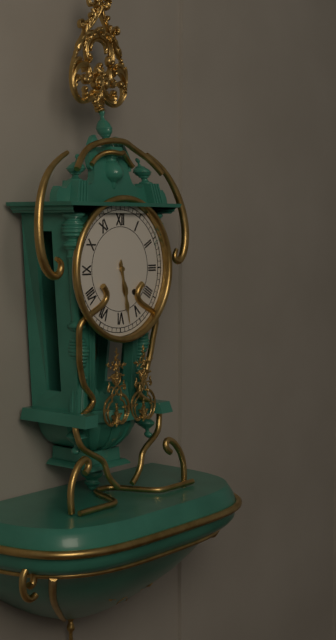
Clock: 5:28
